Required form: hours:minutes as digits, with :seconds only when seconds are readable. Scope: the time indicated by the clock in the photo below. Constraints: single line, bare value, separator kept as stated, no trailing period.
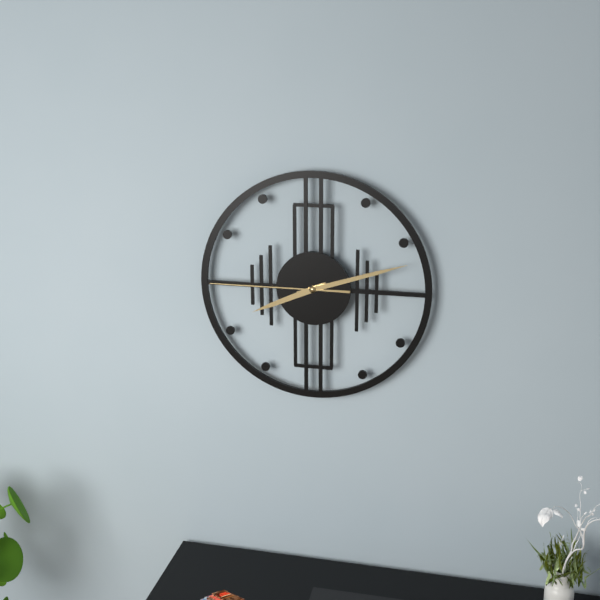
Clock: 8:12:45
